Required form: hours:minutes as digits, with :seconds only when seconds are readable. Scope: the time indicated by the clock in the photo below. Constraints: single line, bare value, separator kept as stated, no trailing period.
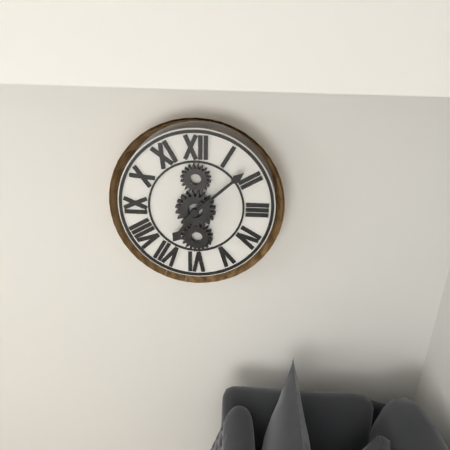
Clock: 7:08
